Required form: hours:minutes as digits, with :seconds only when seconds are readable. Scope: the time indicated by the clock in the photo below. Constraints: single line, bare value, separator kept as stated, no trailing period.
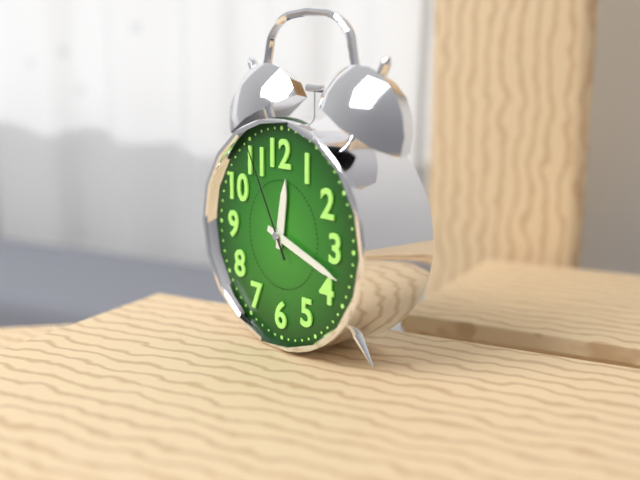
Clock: 12:18:55
